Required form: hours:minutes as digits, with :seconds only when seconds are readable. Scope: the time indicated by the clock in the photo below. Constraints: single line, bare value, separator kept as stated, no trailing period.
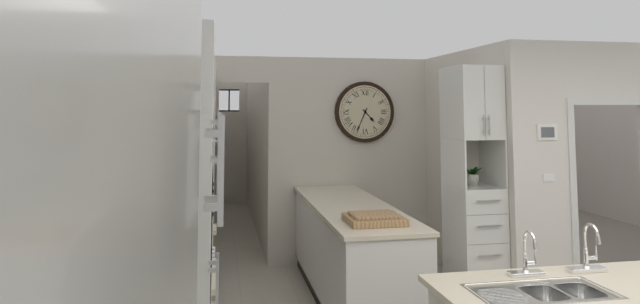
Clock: 4:34
